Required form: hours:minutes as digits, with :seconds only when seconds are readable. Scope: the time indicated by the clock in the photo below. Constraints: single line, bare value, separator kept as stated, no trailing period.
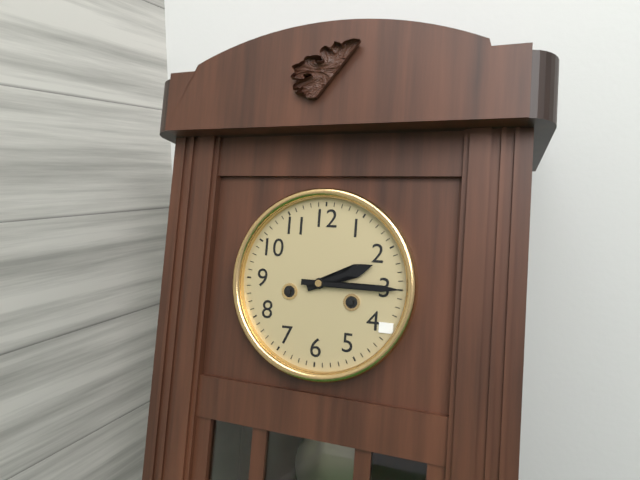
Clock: 2:15
